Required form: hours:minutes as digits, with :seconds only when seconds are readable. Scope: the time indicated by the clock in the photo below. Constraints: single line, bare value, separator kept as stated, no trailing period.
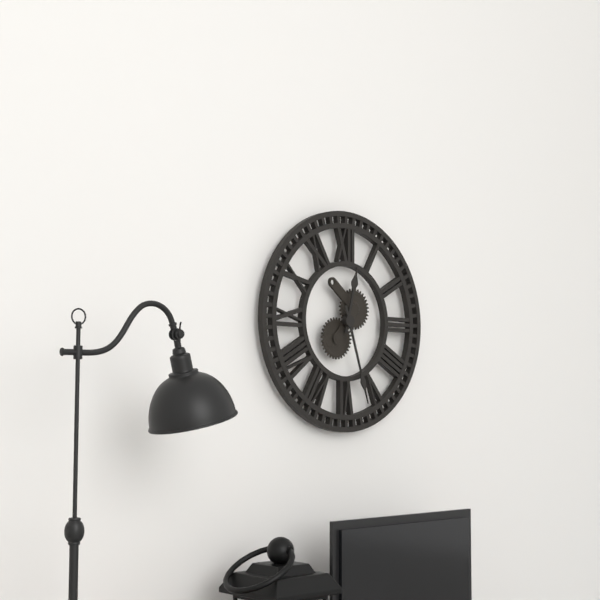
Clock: 12:27
